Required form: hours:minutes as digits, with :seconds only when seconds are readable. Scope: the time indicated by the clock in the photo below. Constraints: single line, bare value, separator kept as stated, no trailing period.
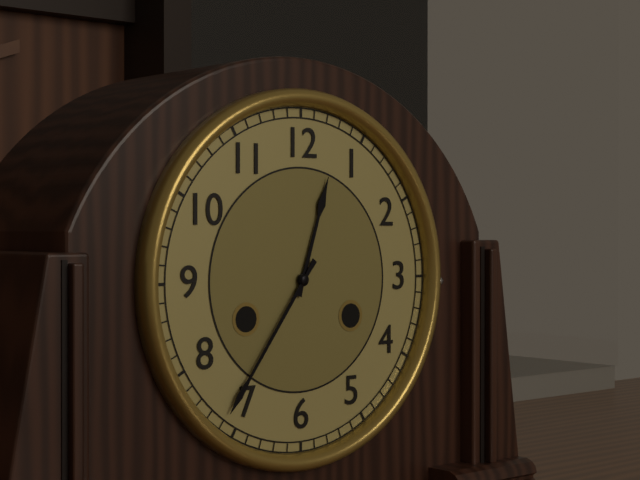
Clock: 12:36
